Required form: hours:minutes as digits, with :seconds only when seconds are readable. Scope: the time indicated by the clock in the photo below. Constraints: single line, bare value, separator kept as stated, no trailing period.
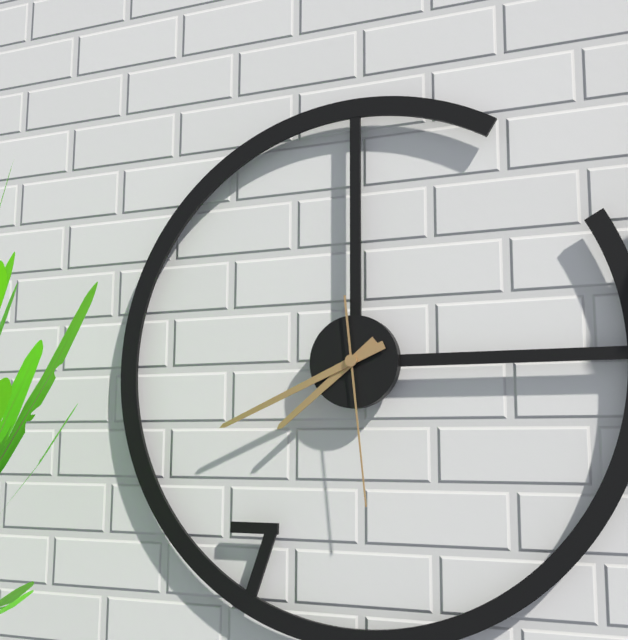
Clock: 7:41:29
